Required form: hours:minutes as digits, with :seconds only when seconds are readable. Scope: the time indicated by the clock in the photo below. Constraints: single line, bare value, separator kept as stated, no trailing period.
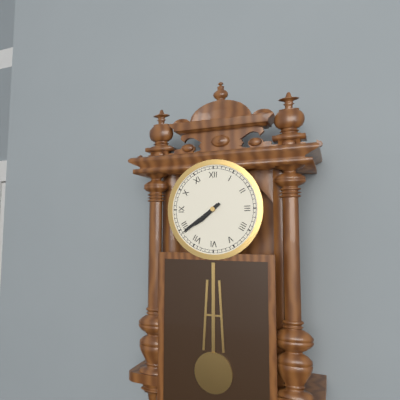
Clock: 7:39
